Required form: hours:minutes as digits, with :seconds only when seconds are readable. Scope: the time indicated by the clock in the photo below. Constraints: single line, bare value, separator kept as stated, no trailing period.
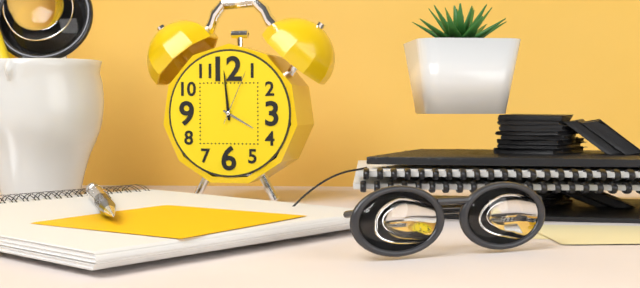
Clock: 3:59:04
